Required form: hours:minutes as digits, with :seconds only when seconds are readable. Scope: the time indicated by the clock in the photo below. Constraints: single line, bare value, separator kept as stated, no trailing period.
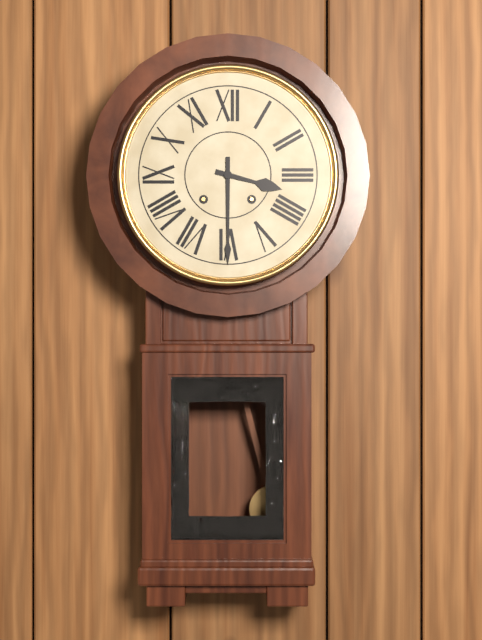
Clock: 3:30
